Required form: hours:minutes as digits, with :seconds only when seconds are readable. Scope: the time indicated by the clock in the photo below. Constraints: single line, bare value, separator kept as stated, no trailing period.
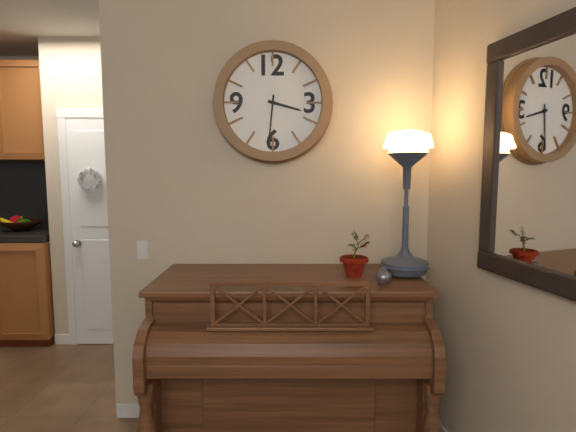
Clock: 3:31
